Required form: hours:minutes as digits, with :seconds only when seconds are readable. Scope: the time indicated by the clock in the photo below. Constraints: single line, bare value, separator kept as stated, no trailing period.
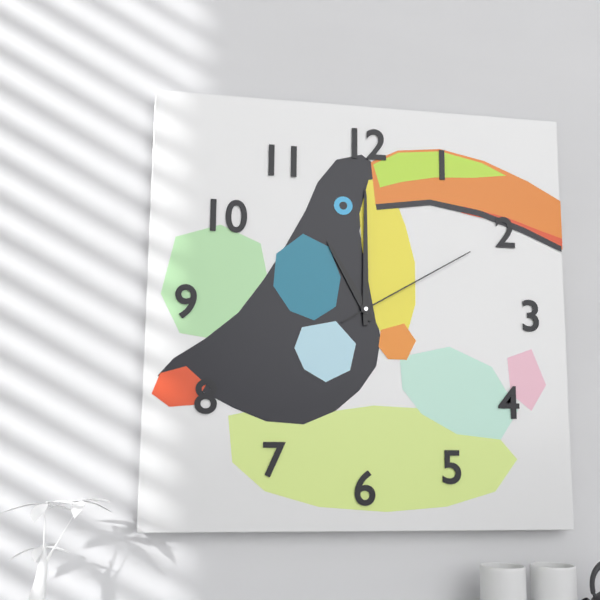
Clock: 11:00:10
